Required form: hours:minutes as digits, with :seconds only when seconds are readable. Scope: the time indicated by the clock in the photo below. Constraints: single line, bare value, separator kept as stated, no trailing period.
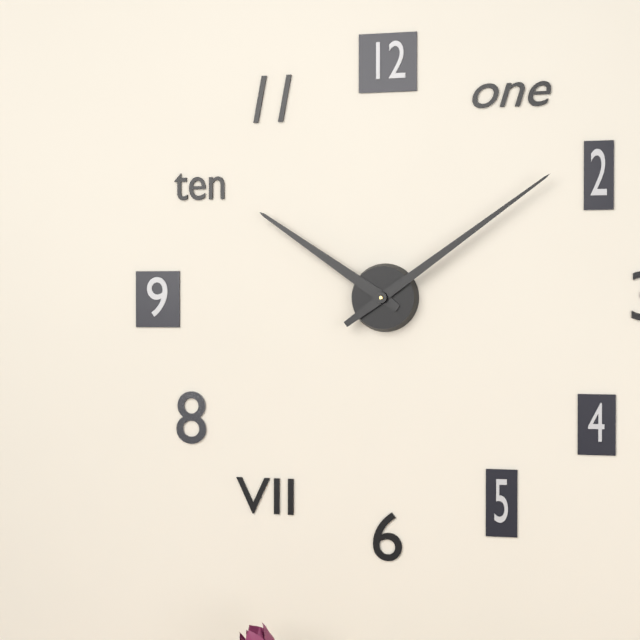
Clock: 10:09
